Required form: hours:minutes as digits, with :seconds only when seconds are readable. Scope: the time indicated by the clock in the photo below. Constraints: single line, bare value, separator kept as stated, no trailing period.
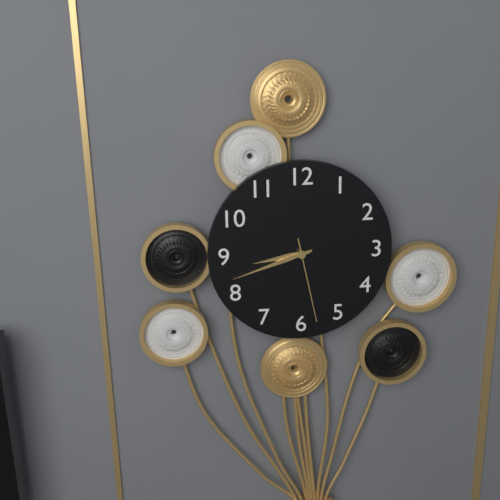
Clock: 8:42:28
